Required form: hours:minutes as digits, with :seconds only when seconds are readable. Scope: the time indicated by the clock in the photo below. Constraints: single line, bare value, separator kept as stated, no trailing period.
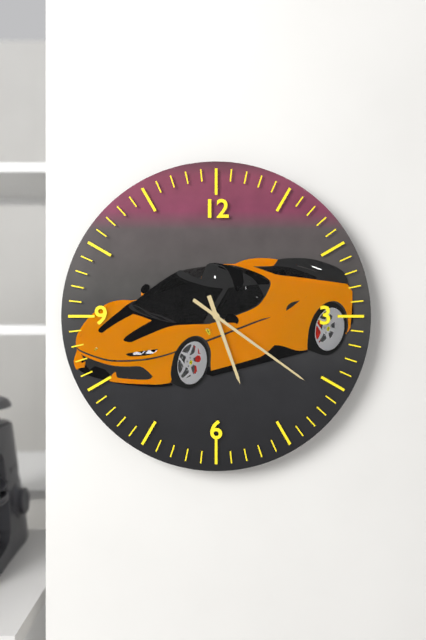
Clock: 5:21
